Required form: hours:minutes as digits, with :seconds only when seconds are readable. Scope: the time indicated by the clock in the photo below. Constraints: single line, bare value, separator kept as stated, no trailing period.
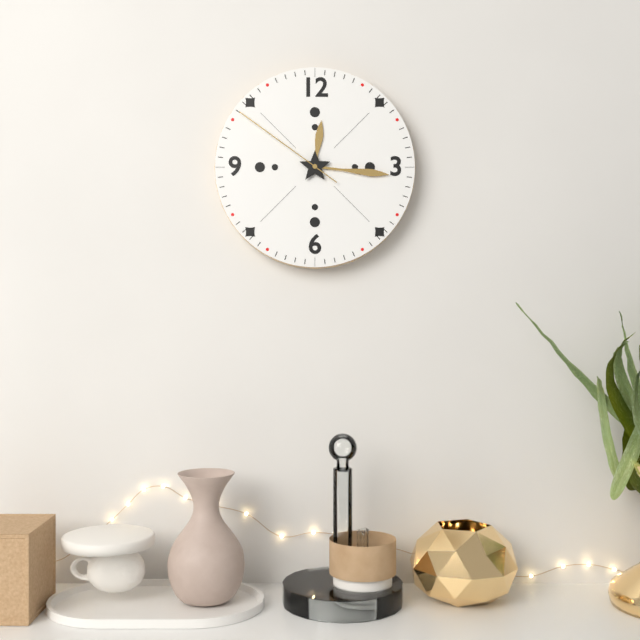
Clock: 12:16:51
